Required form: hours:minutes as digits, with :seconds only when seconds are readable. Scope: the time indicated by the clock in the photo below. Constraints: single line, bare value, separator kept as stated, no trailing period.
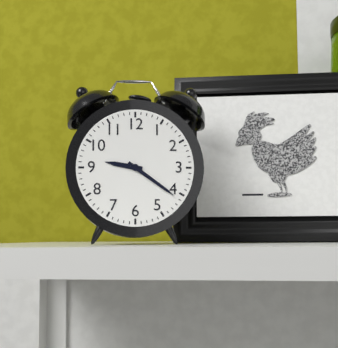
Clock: 9:21
